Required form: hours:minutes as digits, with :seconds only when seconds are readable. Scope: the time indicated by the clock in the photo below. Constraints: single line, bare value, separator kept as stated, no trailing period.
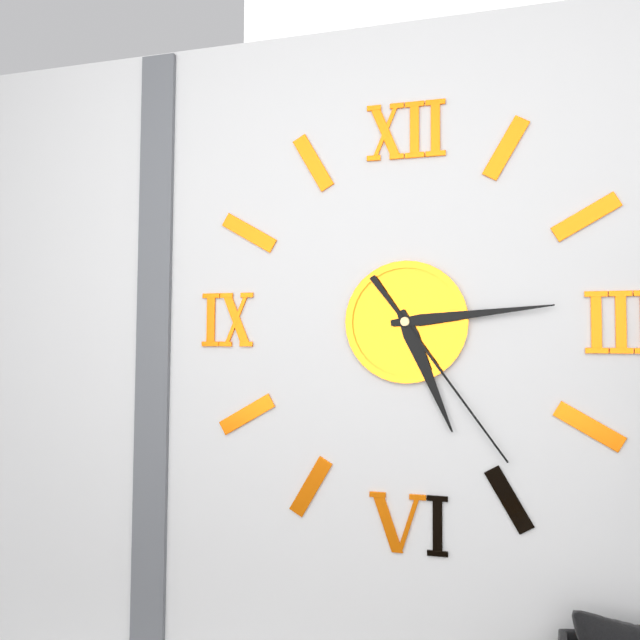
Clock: 5:14:24
